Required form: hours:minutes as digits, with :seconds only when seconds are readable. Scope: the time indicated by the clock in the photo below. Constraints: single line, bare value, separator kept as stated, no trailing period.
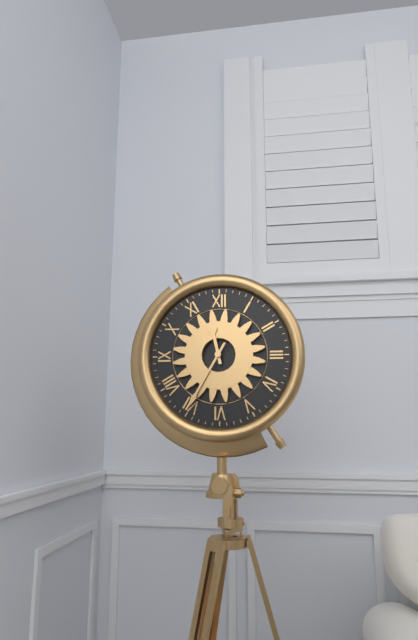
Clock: 11:35
